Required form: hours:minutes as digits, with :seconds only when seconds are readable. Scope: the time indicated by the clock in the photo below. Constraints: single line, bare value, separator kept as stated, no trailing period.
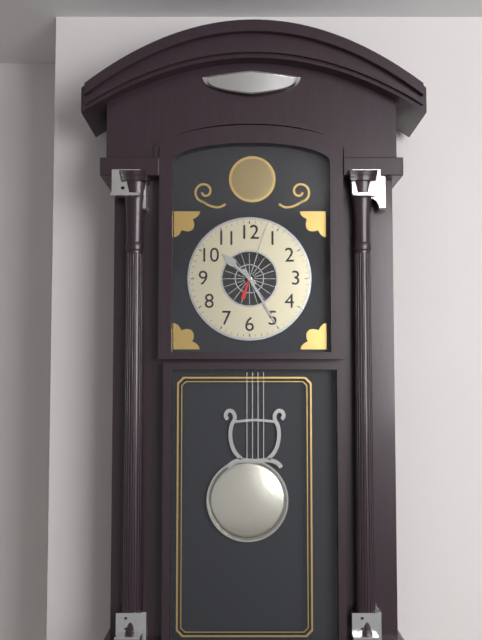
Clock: 10:25:03
